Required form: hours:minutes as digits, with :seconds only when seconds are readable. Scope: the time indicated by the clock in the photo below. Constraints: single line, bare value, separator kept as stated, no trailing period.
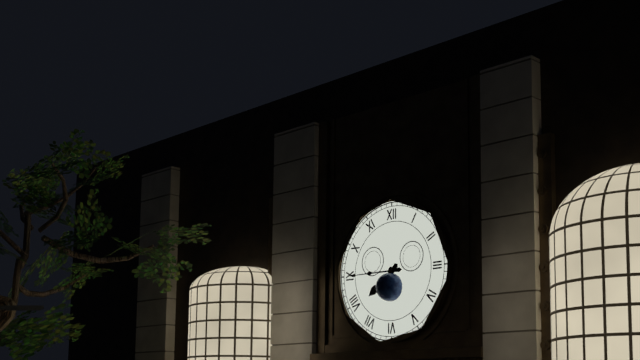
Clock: 7:45
